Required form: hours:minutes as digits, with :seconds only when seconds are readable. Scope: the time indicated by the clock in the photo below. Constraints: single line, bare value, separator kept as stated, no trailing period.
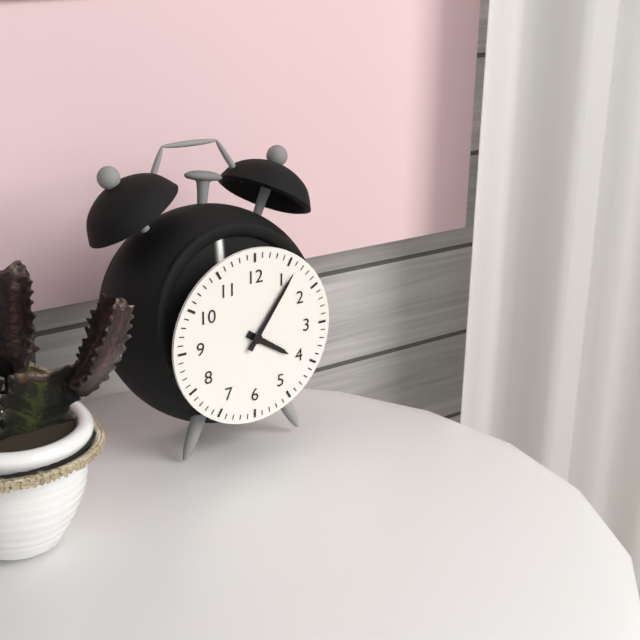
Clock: 4:06
